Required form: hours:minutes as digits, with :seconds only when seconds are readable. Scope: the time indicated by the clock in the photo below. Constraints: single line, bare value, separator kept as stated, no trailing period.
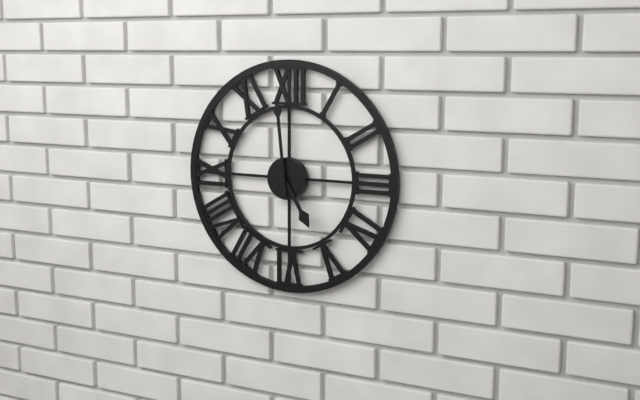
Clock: 4:59
